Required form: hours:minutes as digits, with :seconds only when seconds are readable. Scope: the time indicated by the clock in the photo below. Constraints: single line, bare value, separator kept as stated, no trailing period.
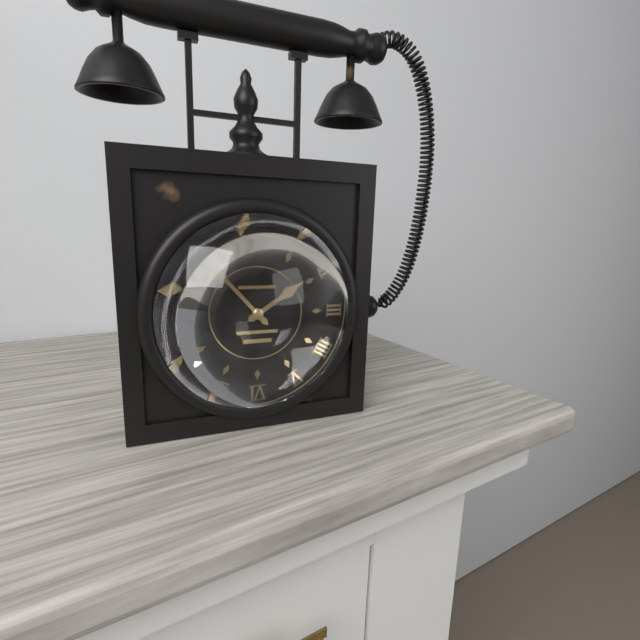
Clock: 1:53
